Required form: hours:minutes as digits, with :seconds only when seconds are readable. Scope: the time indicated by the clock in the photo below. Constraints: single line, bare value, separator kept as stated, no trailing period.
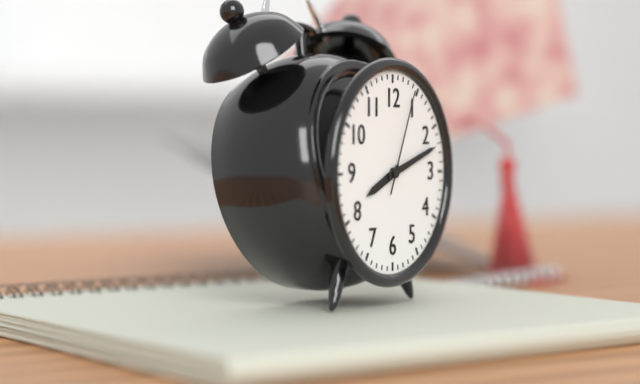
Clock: 8:12:04
